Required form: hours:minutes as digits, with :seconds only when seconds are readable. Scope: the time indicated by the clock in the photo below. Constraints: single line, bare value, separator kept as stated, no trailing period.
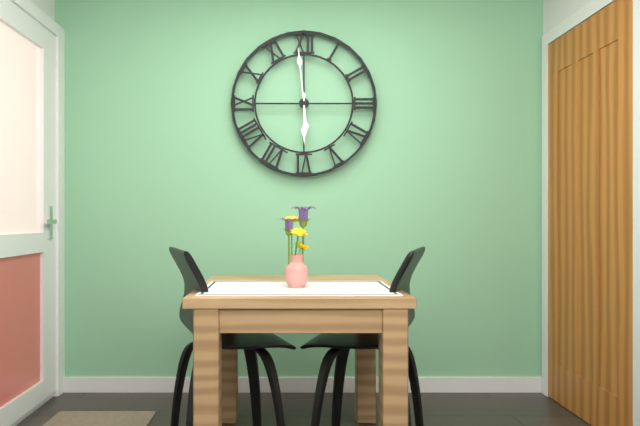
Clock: 5:59
